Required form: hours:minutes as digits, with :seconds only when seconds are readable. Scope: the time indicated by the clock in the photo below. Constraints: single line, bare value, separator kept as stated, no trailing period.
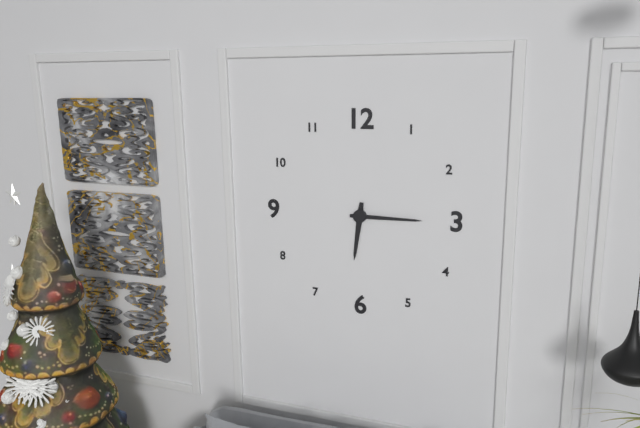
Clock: 6:15
